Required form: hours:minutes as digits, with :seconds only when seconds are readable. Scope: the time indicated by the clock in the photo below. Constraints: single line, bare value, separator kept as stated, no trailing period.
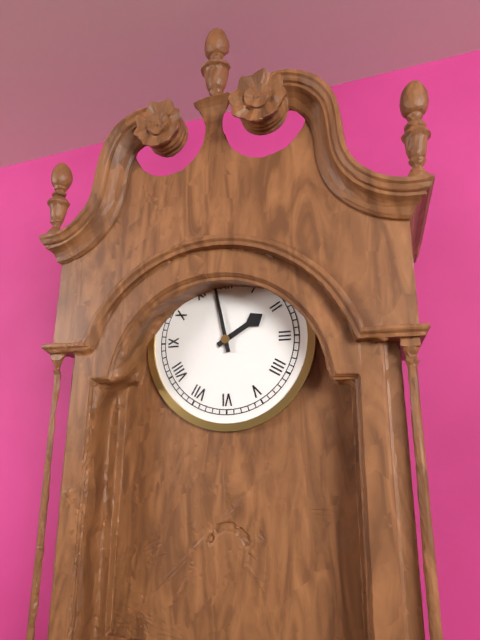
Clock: 1:58
